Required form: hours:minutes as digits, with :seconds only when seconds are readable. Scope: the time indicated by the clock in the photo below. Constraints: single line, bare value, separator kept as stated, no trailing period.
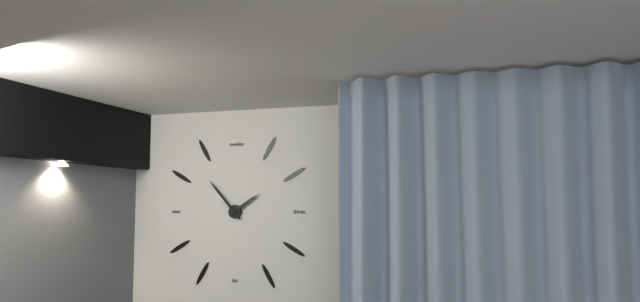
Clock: 1:53
